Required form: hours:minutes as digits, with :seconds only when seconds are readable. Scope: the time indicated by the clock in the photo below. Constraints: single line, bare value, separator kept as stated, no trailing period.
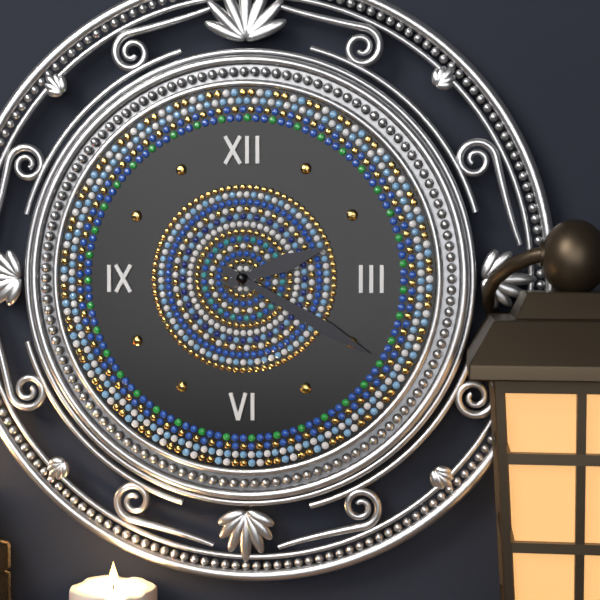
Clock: 2:20
